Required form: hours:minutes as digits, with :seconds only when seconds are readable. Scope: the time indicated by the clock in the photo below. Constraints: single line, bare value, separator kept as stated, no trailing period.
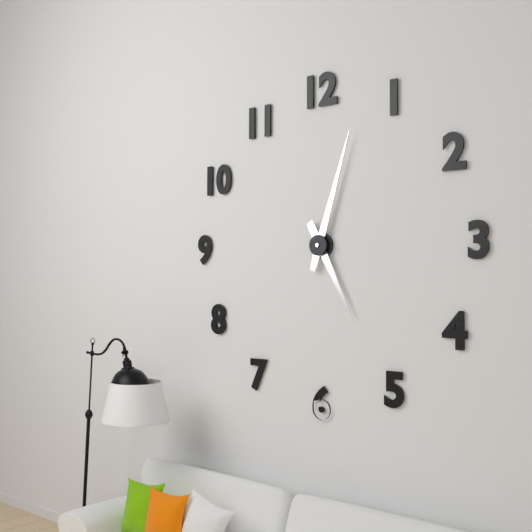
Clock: 5:03
